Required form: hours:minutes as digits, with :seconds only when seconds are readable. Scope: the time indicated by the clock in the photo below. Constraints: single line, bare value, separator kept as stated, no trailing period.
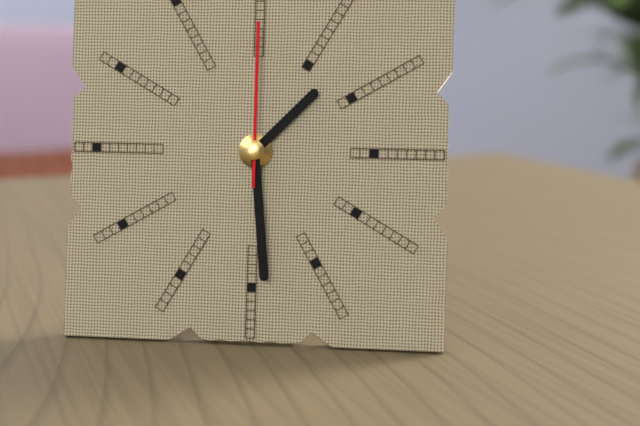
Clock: 1:29:00
